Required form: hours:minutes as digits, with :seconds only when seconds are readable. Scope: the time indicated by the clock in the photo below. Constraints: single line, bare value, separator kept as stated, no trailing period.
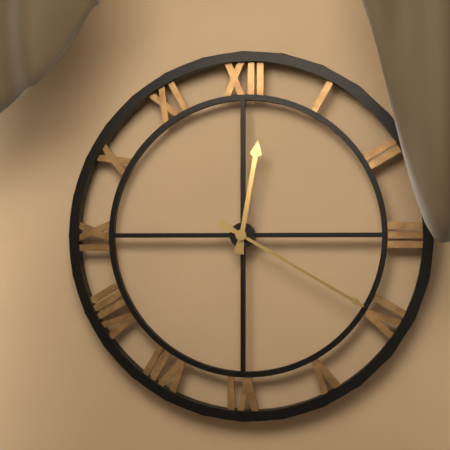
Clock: 12:20
